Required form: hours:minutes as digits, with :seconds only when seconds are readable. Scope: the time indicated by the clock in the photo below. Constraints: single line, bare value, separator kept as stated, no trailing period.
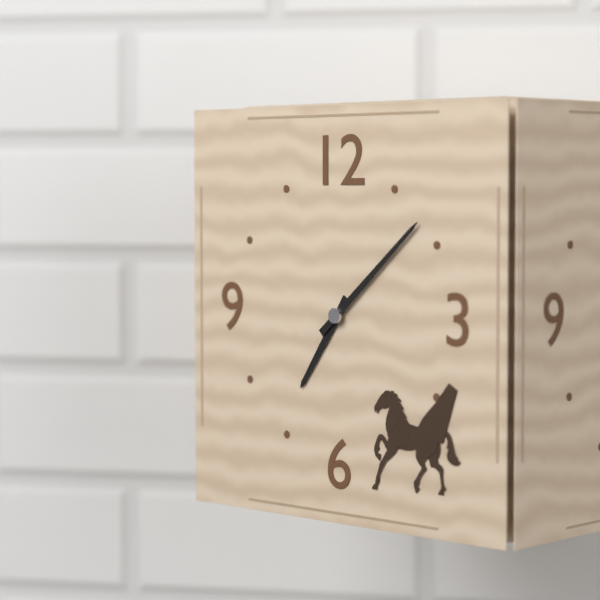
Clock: 7:08
